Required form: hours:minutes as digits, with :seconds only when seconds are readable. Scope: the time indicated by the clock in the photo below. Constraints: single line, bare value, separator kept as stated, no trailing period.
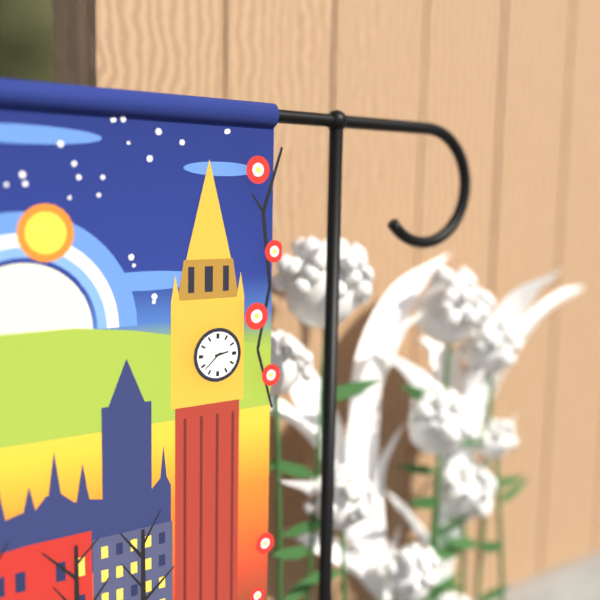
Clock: 2:38
